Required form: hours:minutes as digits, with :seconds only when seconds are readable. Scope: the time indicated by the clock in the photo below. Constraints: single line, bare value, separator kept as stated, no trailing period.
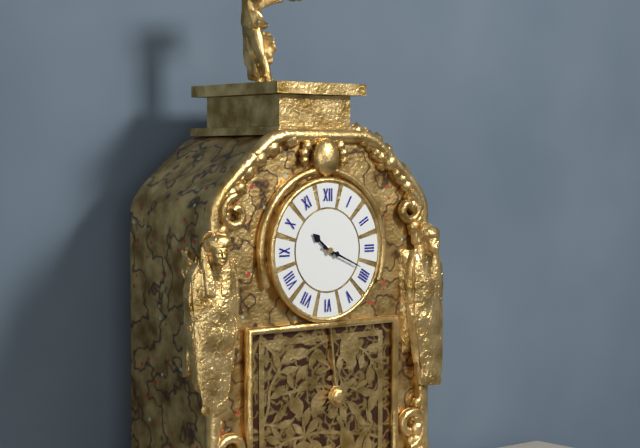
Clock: 10:19
